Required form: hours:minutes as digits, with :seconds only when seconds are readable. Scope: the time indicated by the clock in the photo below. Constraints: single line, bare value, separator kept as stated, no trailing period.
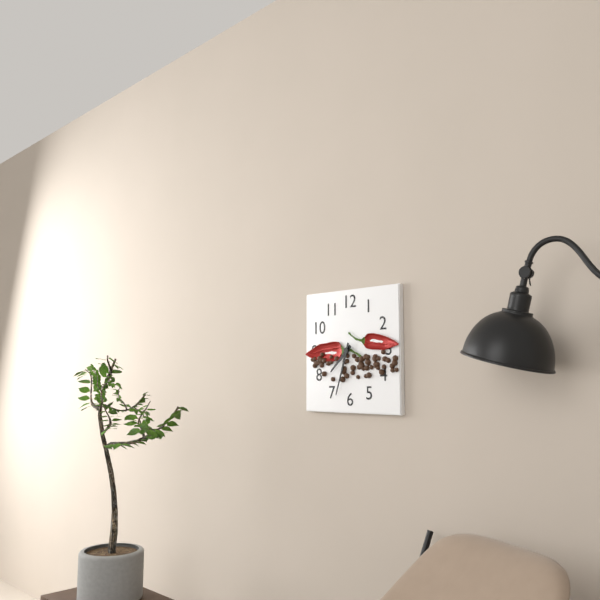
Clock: 7:33
